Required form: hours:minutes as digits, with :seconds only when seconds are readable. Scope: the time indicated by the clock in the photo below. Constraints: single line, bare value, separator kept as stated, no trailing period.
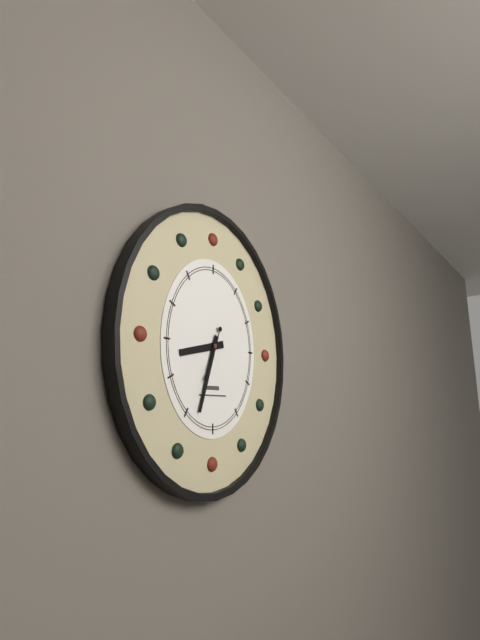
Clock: 8:33
